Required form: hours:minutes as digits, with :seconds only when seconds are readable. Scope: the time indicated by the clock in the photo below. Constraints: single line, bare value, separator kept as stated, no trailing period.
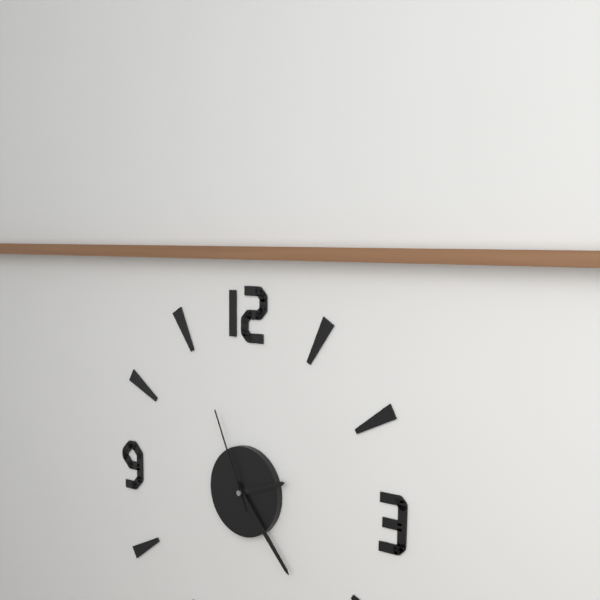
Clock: 2:23:56
